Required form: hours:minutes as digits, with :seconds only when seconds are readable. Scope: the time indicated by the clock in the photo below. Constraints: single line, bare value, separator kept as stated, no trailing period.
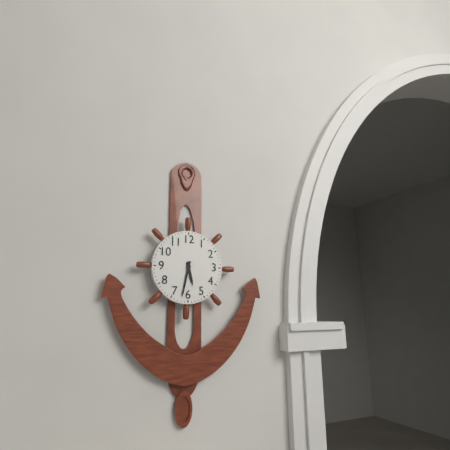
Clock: 5:32
